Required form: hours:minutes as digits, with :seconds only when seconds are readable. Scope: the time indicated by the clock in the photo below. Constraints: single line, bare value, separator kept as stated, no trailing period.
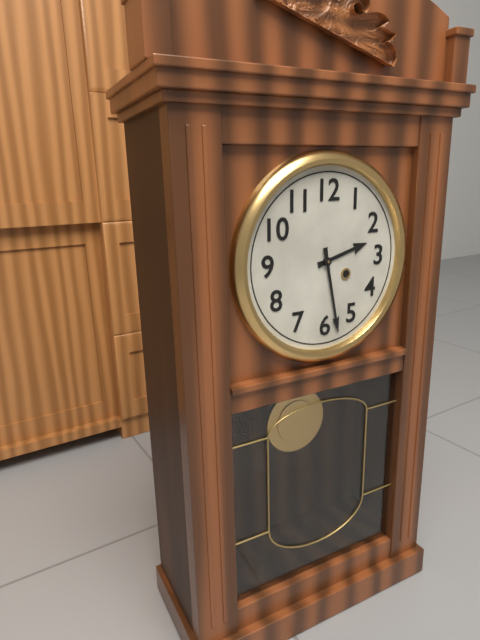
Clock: 2:28
